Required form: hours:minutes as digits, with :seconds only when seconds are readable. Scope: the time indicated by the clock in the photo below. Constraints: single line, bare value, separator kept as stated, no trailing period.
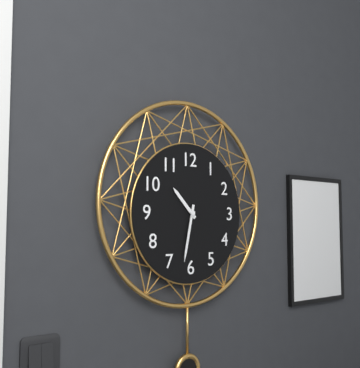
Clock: 10:32
